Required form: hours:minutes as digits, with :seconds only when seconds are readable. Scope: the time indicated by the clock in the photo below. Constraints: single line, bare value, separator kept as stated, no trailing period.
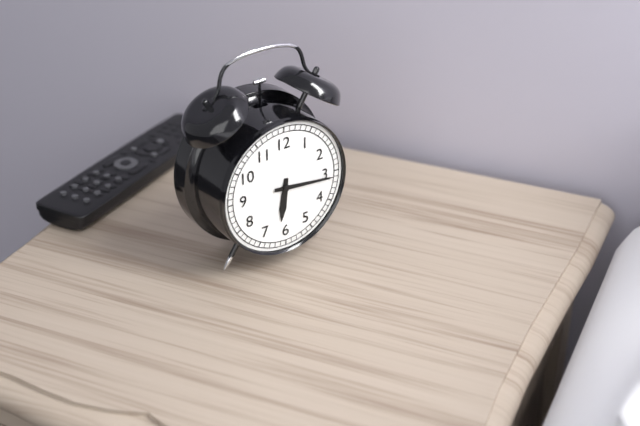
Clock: 6:16
